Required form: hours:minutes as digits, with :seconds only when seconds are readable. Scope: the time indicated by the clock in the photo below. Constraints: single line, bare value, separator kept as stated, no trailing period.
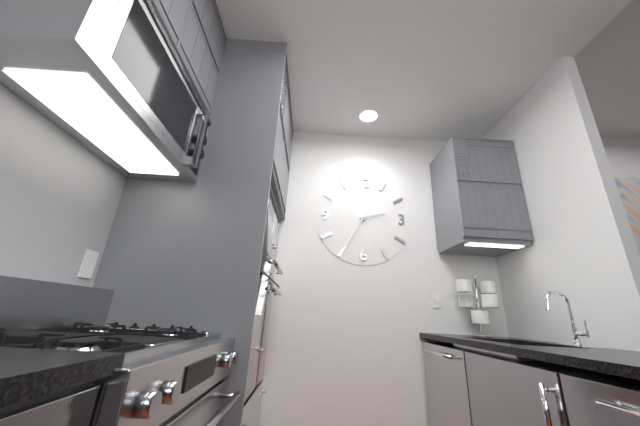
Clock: 2:35
